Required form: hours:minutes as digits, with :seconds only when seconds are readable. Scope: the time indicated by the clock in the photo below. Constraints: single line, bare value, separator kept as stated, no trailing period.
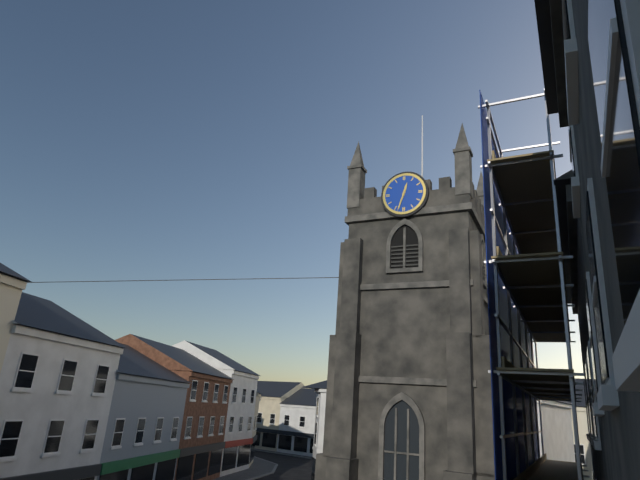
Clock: 12:33
